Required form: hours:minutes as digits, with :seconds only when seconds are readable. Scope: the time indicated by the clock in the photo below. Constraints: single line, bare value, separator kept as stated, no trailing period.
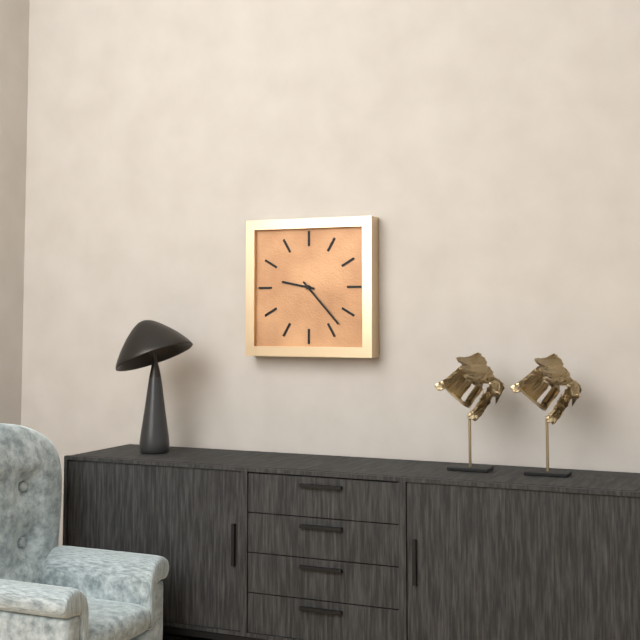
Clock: 9:23
